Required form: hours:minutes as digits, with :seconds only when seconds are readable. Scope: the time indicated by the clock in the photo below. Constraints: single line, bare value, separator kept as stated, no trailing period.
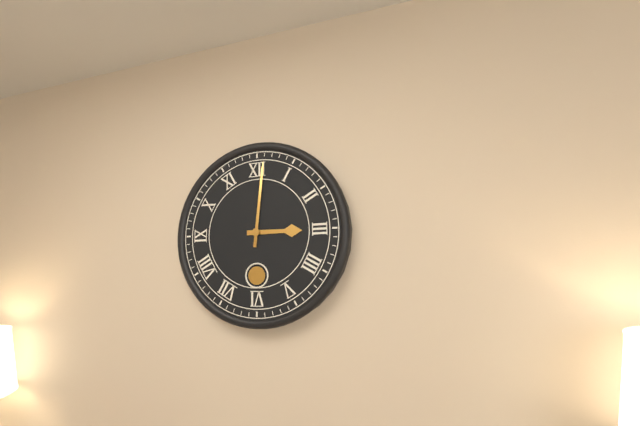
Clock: 3:01
